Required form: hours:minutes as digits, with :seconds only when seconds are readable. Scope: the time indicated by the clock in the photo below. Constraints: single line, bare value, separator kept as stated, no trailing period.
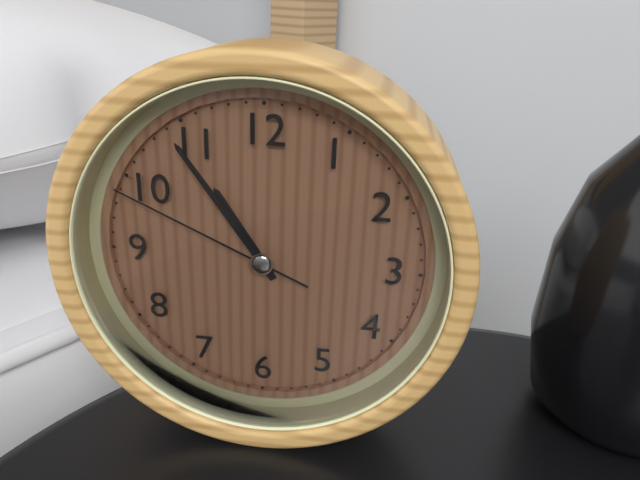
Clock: 10:54:49
